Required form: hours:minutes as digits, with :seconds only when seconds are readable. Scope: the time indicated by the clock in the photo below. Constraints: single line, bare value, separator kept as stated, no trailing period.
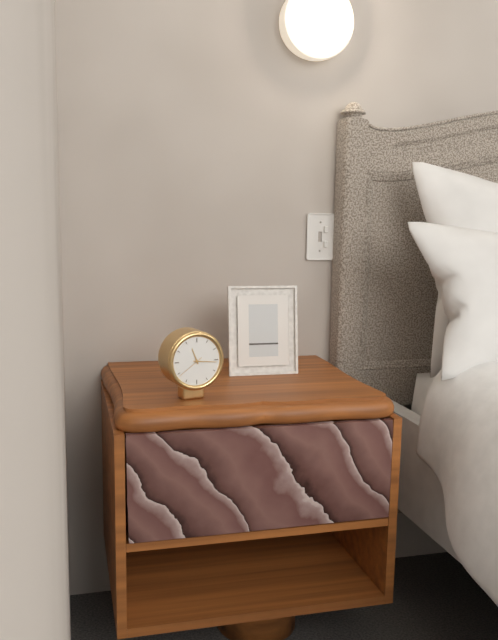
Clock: 11:16
